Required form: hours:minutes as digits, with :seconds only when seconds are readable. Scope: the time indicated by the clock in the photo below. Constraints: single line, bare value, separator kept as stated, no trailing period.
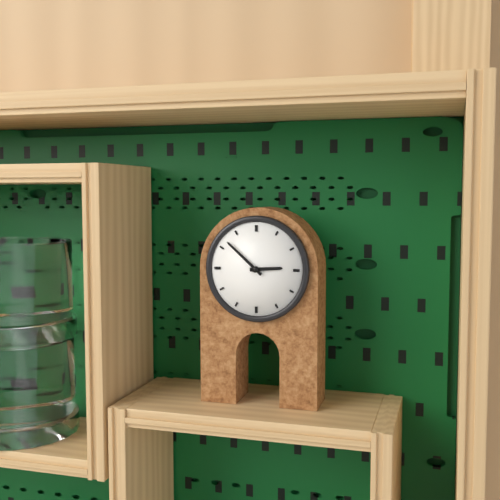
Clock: 2:52
